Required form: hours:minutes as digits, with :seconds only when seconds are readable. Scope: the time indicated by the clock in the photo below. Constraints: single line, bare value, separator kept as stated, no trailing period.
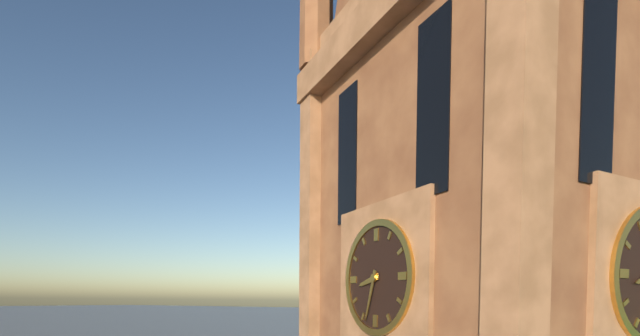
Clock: 8:33
